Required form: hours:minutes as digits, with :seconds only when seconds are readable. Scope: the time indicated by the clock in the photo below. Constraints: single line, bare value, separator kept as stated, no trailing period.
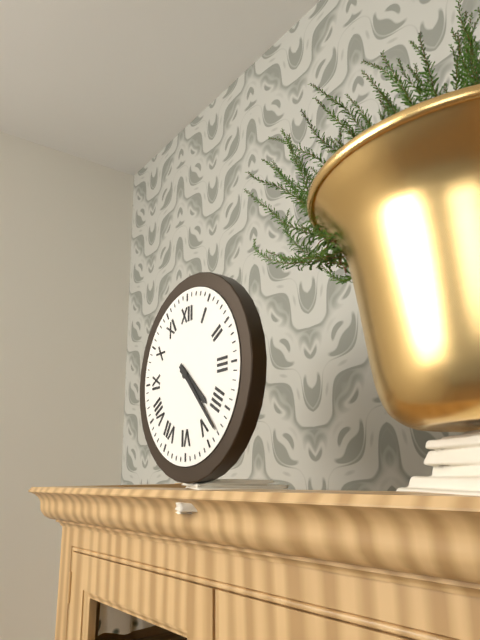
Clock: 4:23
